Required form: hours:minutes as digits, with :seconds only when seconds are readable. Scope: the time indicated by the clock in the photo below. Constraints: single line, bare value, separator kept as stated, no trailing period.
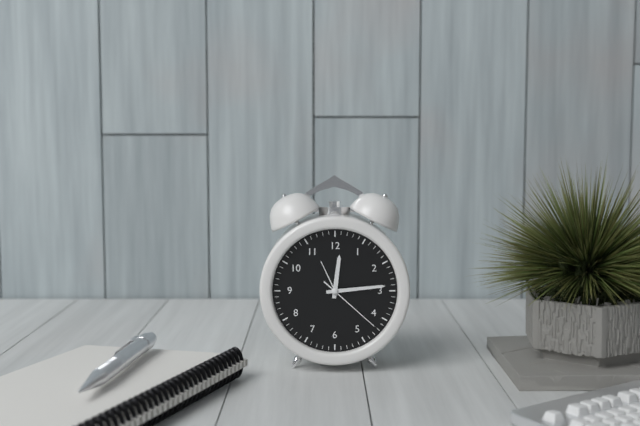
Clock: 12:14:22
